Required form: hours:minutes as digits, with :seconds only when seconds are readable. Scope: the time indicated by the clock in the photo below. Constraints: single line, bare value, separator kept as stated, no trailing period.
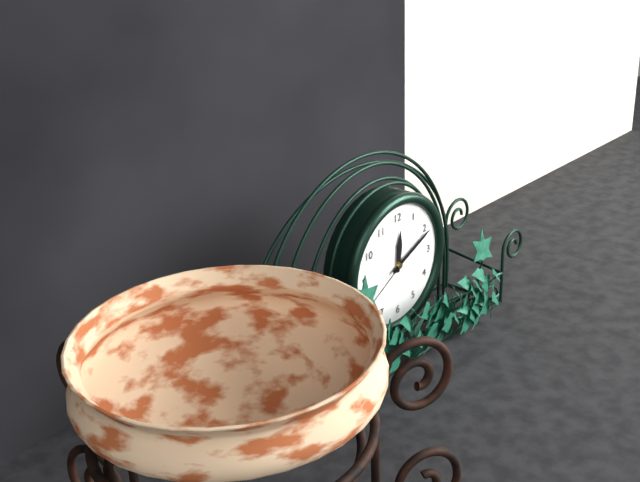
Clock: 12:11:40
